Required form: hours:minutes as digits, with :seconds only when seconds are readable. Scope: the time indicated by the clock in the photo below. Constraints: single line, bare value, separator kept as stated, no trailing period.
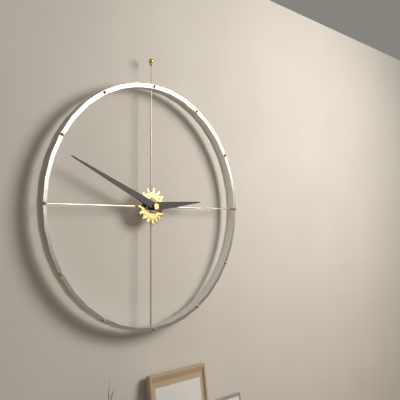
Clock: 2:49
